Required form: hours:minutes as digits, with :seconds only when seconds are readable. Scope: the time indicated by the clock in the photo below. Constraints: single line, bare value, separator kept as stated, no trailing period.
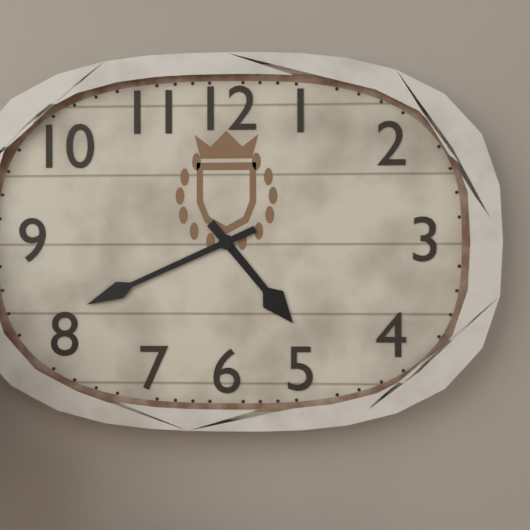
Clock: 4:41
